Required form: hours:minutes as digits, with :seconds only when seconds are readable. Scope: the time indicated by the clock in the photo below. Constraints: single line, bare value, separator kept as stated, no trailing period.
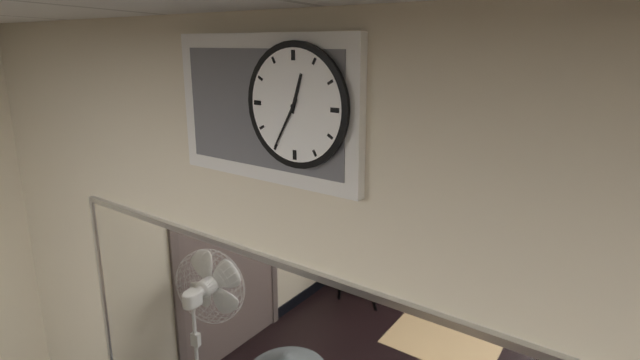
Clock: 12:35
